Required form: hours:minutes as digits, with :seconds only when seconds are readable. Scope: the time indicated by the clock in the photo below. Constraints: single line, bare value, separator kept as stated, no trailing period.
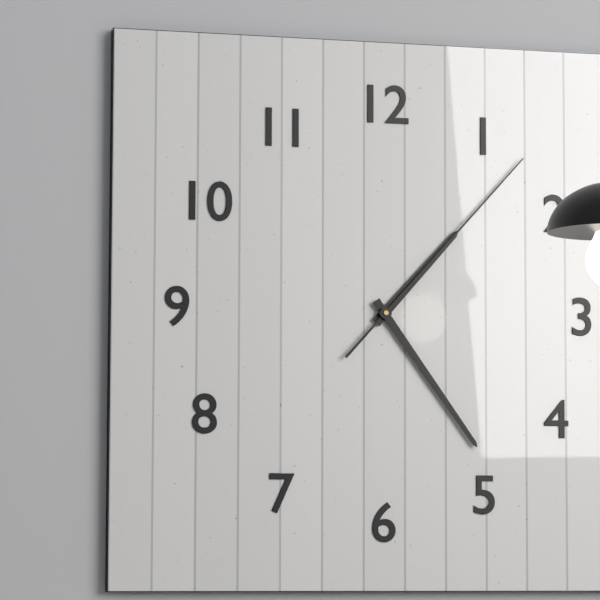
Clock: 1:24:07
